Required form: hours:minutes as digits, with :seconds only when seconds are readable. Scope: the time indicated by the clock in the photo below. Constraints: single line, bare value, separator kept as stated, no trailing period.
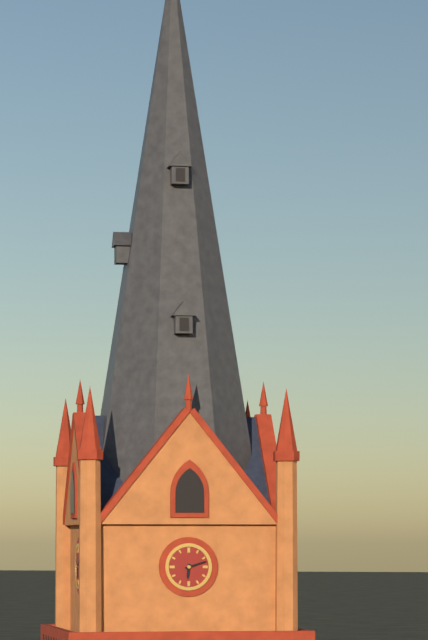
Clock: 6:12
